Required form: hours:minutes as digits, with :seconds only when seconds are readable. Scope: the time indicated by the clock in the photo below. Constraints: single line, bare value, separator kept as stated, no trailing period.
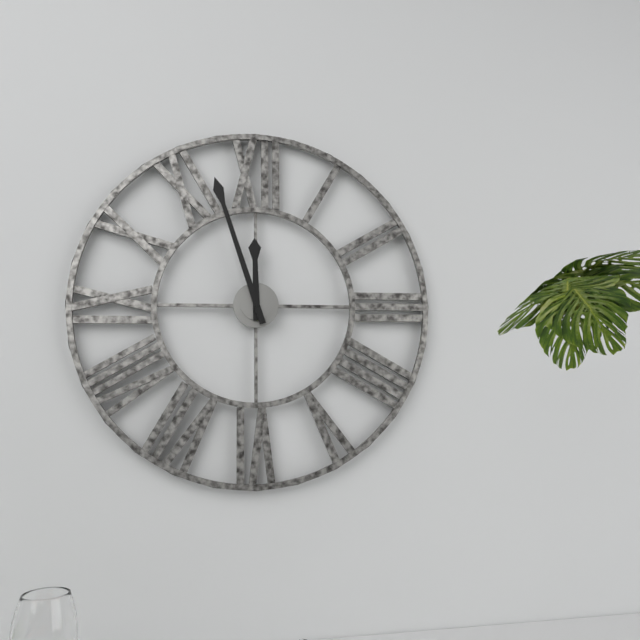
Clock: 11:57
